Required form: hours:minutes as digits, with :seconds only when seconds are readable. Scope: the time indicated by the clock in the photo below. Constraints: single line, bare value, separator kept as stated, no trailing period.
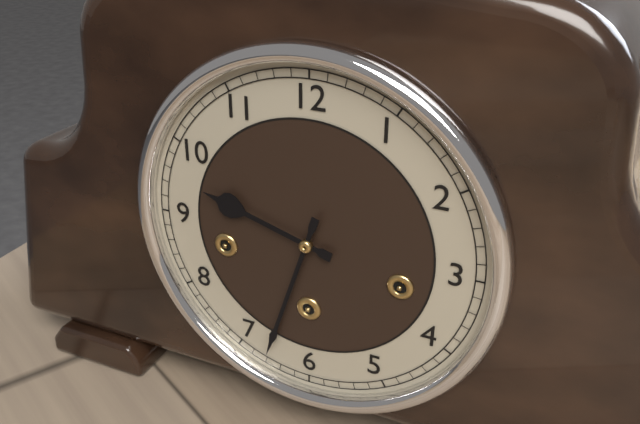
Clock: 9:33
